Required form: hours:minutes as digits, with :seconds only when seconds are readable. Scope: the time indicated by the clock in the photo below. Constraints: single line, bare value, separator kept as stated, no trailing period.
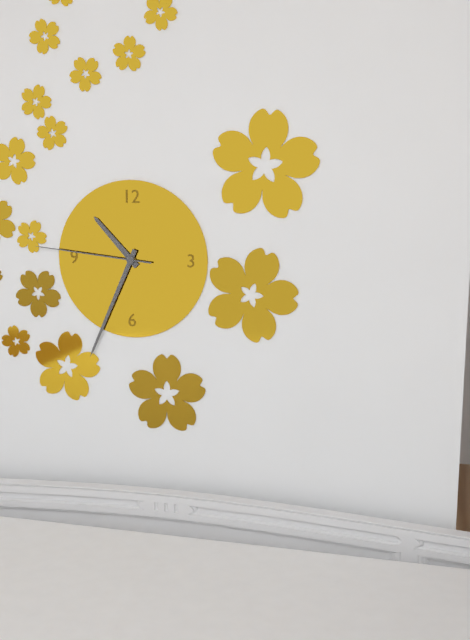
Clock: 10:34:46
